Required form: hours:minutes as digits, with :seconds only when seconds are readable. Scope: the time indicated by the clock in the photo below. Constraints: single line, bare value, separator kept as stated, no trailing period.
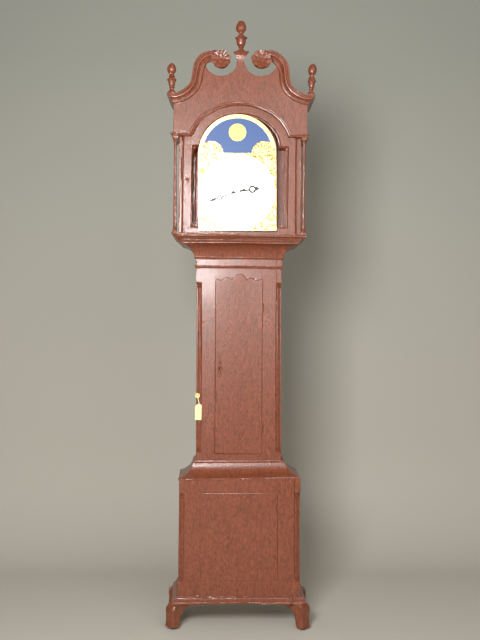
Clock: 2:42
